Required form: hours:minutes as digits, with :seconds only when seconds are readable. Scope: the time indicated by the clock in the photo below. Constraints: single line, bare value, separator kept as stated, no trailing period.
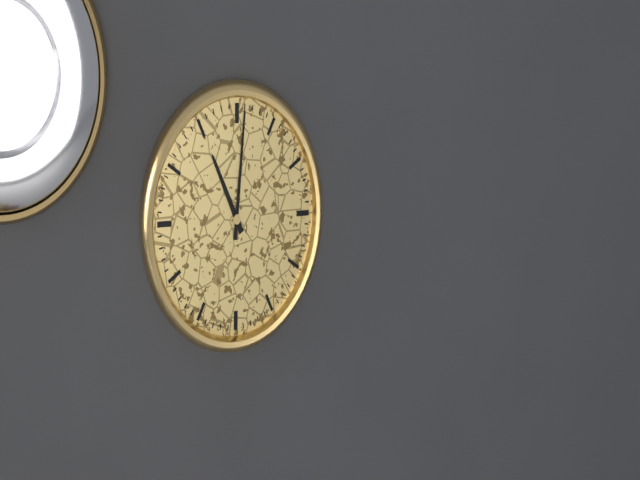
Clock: 11:01
